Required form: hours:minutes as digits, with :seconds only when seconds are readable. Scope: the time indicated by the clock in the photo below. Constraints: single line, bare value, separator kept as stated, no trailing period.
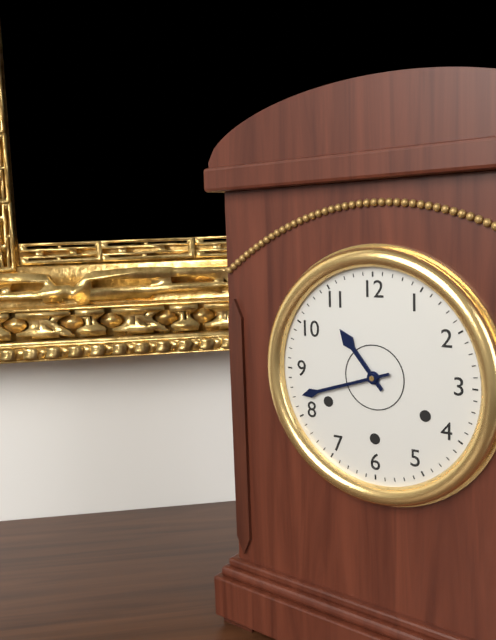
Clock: 10:42
